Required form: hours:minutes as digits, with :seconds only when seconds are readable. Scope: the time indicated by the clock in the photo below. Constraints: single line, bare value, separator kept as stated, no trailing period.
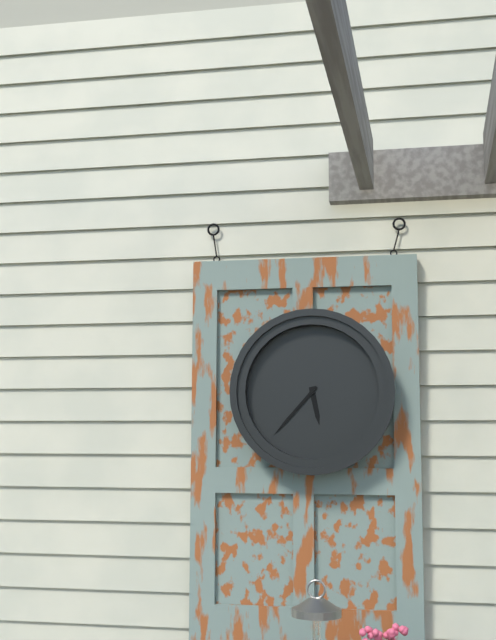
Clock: 5:37
